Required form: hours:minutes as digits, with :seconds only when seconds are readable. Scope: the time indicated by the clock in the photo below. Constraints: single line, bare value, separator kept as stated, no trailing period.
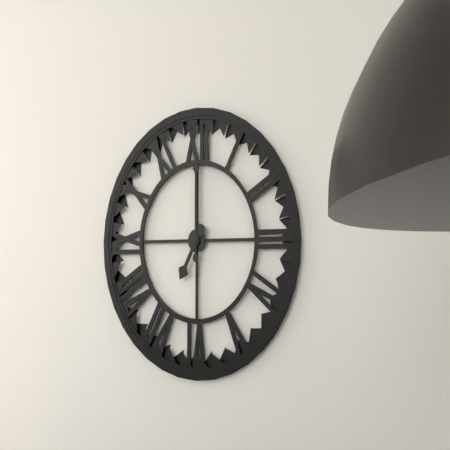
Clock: 7:00
